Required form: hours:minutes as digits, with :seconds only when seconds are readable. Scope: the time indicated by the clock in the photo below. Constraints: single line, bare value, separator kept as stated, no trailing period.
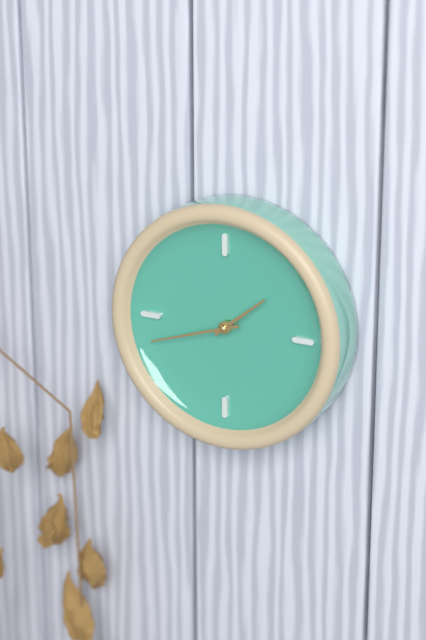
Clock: 1:42
